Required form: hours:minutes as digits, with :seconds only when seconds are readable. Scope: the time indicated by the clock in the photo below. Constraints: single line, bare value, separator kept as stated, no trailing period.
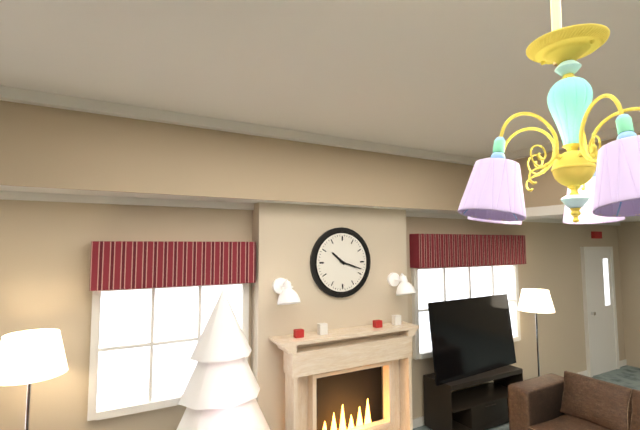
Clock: 10:18
